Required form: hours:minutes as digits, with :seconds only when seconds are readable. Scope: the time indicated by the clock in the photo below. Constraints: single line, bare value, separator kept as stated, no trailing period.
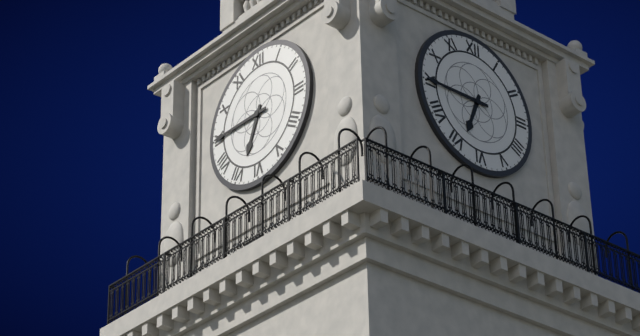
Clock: 6:45
